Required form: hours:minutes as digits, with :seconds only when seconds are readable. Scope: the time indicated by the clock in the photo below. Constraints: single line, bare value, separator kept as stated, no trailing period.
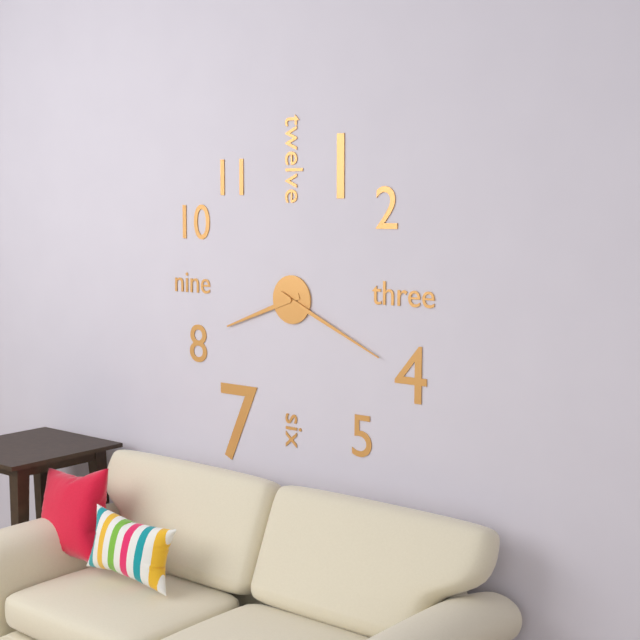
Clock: 8:19
